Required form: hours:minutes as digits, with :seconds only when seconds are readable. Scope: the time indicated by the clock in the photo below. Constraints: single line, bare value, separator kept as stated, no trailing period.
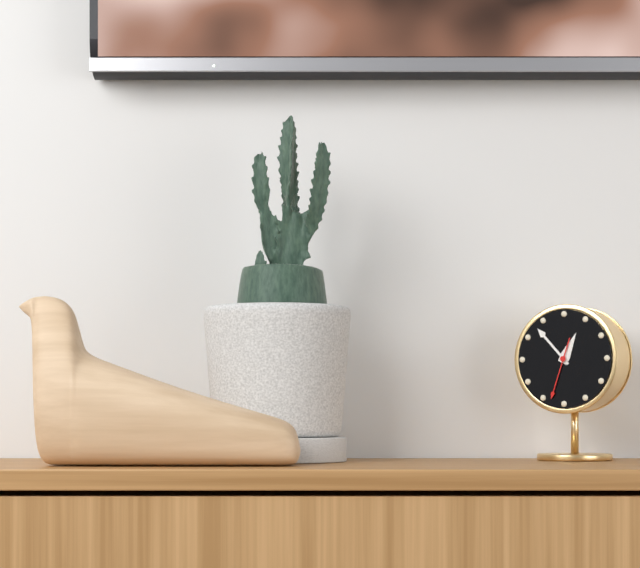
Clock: 12:53:33
